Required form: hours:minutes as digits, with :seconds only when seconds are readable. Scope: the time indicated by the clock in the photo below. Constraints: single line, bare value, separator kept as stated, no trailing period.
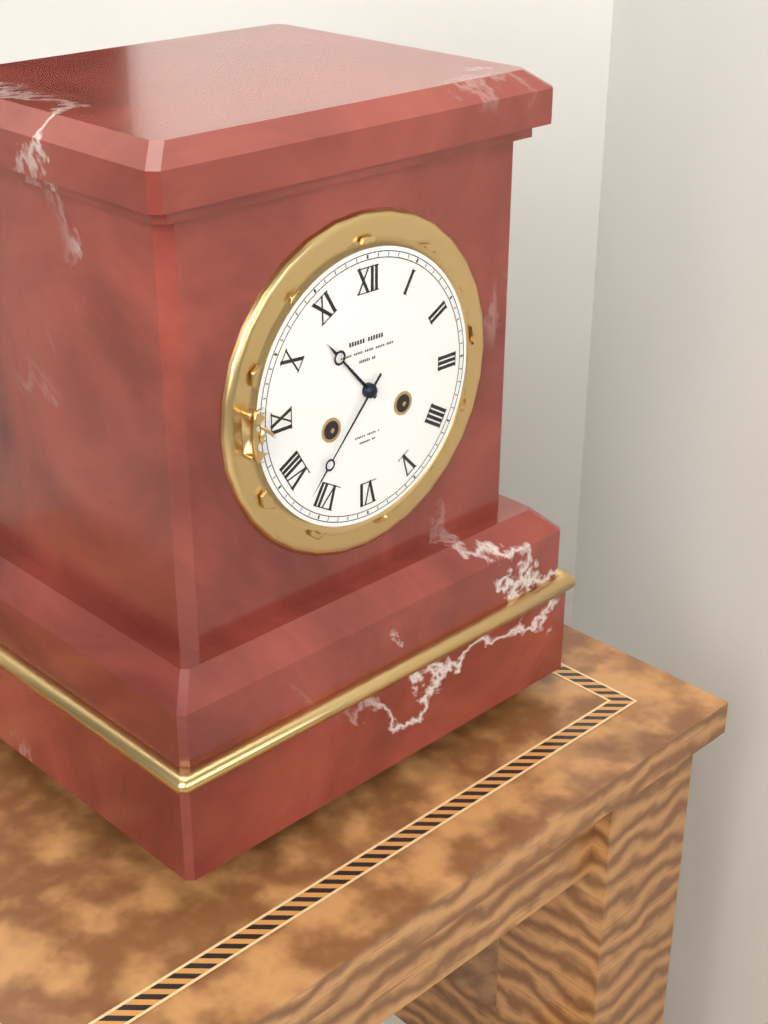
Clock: 10:37
